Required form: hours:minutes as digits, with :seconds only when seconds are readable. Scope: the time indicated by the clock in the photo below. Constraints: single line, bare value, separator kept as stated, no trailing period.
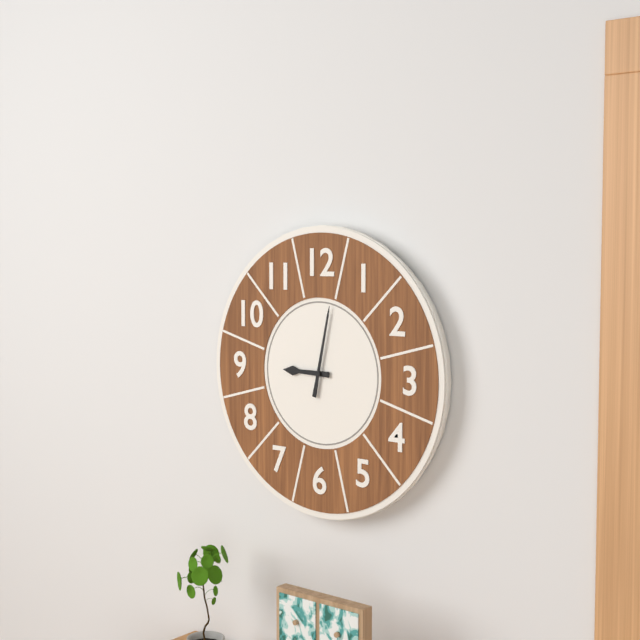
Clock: 9:02
